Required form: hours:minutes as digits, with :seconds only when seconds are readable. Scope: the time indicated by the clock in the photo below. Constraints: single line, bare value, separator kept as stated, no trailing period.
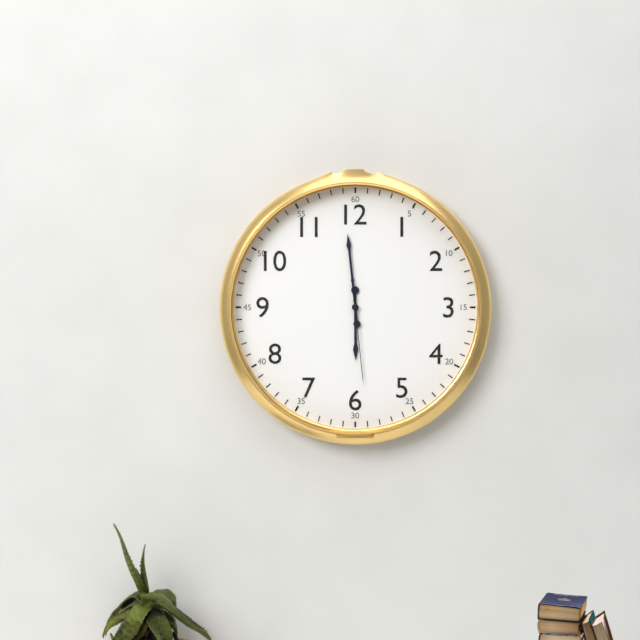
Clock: 5:59:29
